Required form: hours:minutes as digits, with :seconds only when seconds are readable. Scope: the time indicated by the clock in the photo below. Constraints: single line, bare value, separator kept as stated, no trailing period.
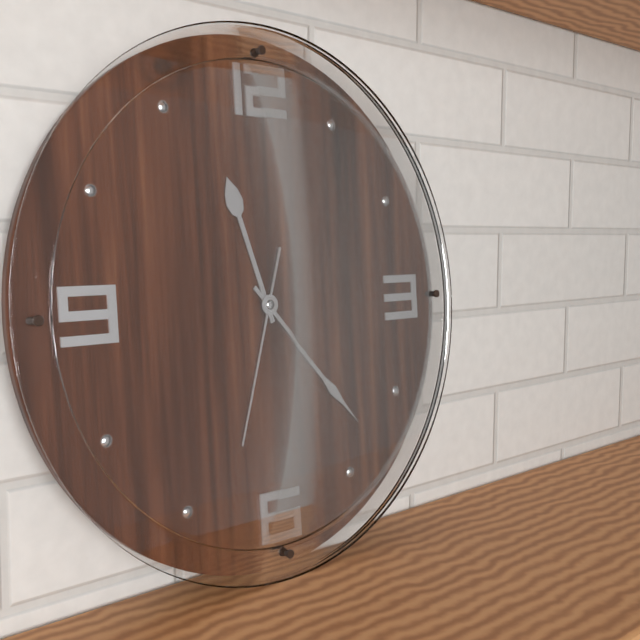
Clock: 11:23:33
